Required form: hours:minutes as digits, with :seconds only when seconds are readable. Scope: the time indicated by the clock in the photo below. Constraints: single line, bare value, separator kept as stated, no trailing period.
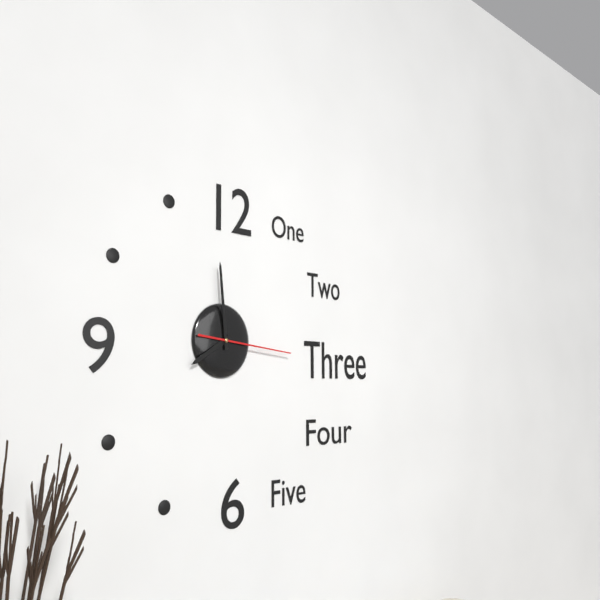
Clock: 7:59:16
